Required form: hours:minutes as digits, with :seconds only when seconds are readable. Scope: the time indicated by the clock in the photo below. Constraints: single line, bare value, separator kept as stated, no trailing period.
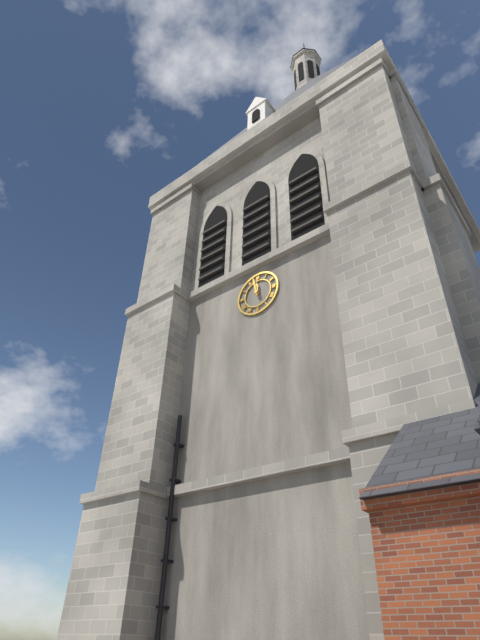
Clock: 11:58
